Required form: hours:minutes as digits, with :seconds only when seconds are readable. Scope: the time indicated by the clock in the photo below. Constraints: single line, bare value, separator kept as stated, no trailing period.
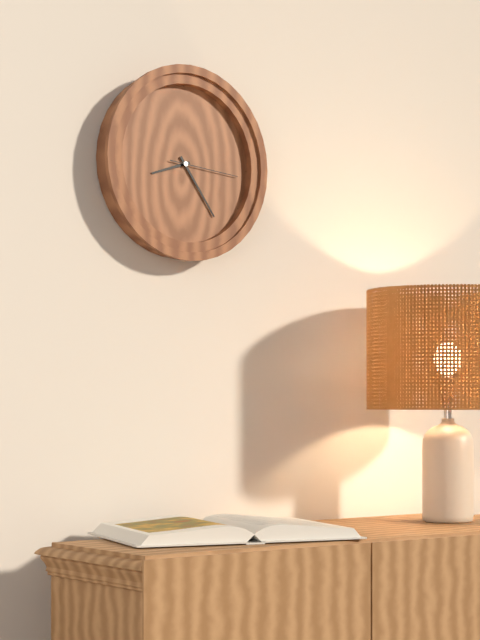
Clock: 8:24:16
